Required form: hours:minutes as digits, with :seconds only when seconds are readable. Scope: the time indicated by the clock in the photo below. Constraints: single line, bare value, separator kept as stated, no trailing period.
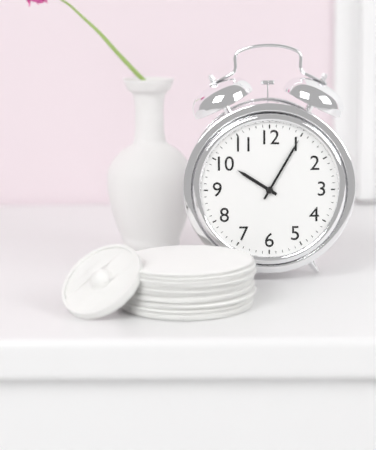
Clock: 10:05
